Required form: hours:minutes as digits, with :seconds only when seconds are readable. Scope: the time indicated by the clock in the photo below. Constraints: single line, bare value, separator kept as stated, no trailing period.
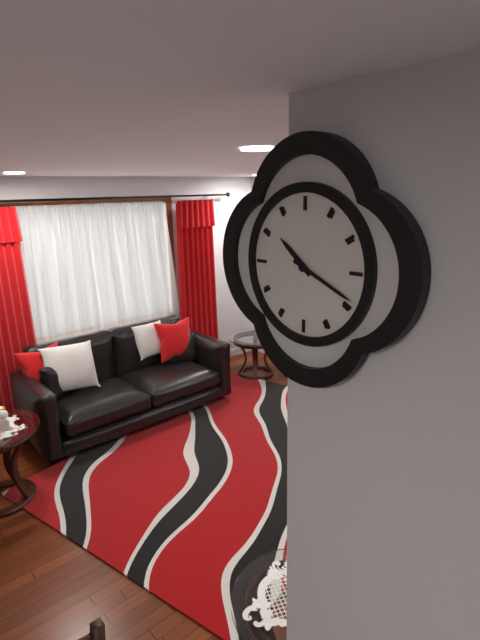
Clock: 10:19
